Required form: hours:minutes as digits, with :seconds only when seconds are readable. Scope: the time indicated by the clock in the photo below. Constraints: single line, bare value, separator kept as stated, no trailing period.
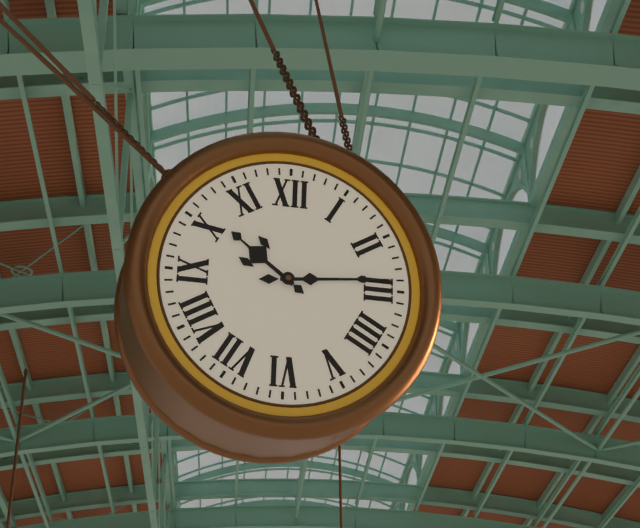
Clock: 10:14
